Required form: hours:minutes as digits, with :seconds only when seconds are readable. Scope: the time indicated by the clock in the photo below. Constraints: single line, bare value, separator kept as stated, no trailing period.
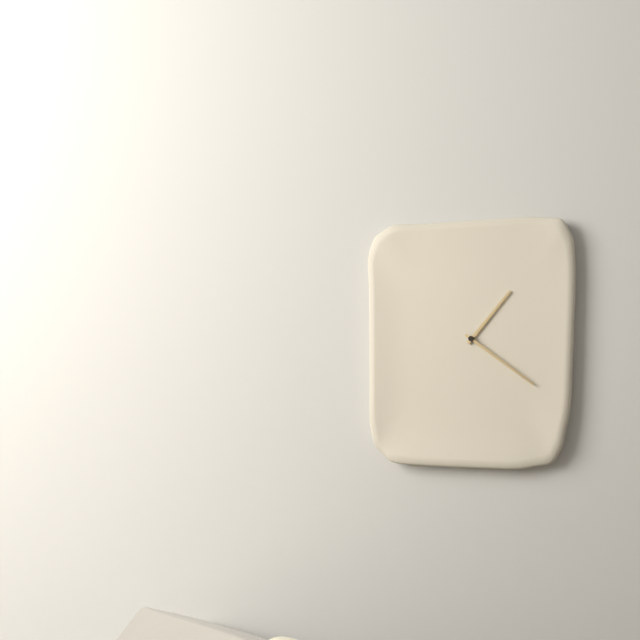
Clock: 1:21
